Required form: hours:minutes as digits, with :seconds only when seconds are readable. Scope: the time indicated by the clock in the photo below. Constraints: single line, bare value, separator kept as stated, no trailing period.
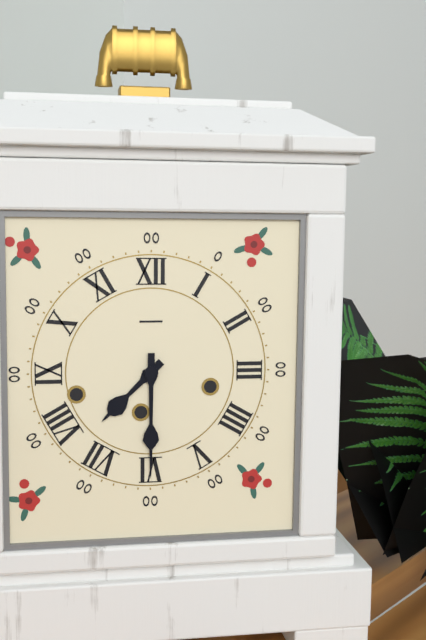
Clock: 7:30
